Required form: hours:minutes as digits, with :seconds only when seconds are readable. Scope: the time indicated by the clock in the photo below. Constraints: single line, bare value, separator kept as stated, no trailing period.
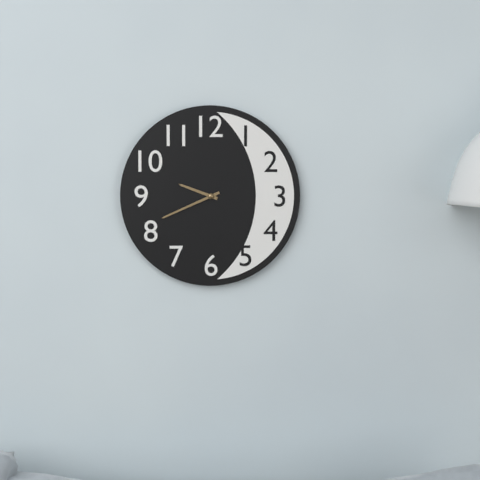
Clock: 9:41
